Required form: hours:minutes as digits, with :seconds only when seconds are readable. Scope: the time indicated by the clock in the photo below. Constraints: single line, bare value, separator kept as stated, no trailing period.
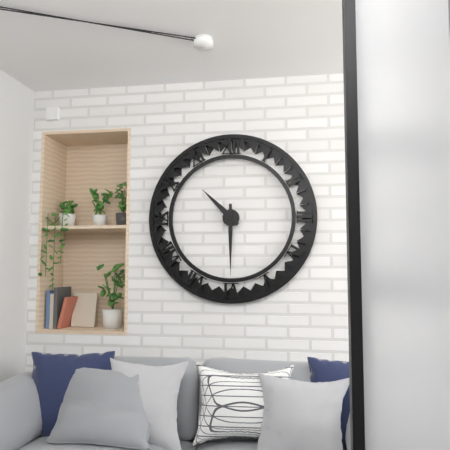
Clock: 10:30
